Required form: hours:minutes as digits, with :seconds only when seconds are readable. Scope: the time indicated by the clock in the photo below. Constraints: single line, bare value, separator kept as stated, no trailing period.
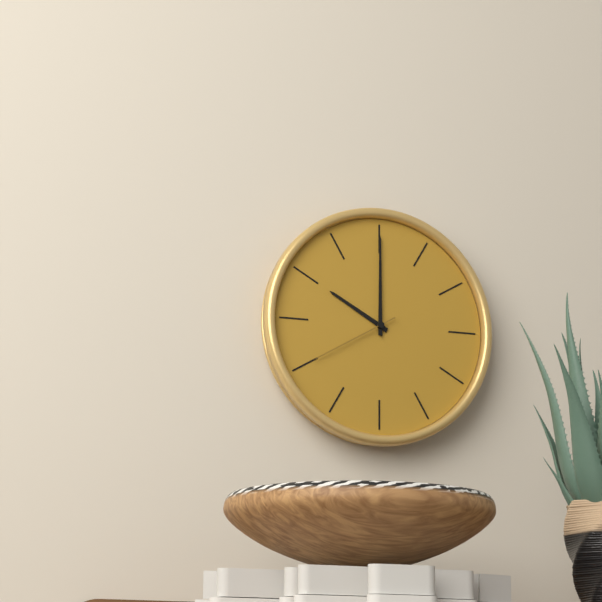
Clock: 10:00:40
